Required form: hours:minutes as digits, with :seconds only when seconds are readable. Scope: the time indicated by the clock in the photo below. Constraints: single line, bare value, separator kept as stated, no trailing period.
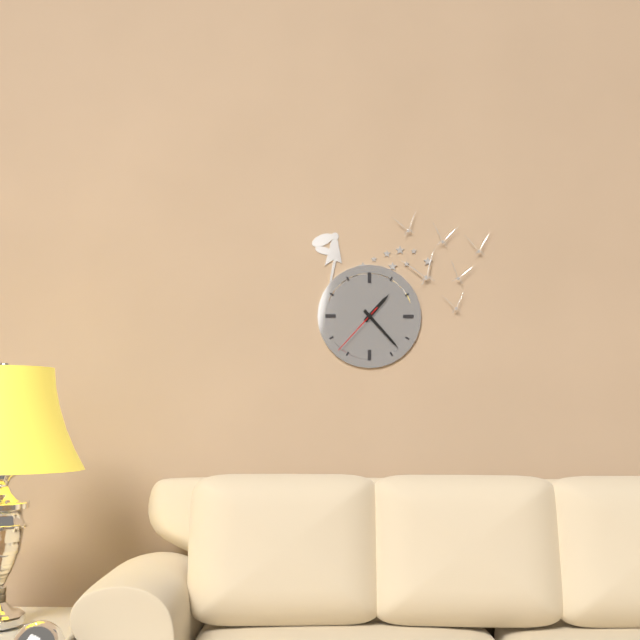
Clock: 1:23:37
